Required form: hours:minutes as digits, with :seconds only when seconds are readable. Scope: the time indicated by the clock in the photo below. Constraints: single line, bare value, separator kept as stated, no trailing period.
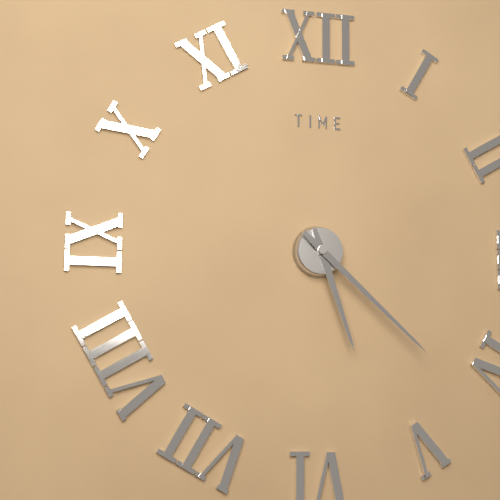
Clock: 5:22
